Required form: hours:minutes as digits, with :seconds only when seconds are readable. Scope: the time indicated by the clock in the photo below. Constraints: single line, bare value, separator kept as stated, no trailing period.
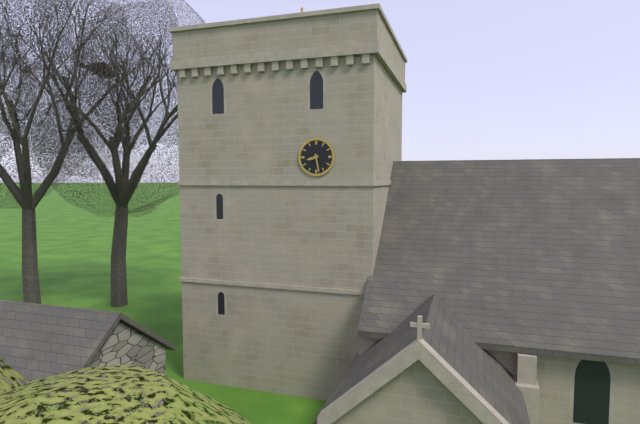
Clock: 8:28
